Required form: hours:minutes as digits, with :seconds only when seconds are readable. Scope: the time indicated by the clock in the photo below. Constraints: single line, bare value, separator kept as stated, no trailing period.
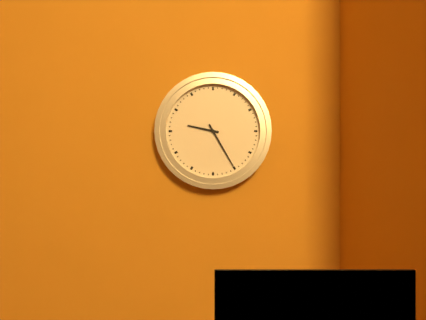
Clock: 9:25
